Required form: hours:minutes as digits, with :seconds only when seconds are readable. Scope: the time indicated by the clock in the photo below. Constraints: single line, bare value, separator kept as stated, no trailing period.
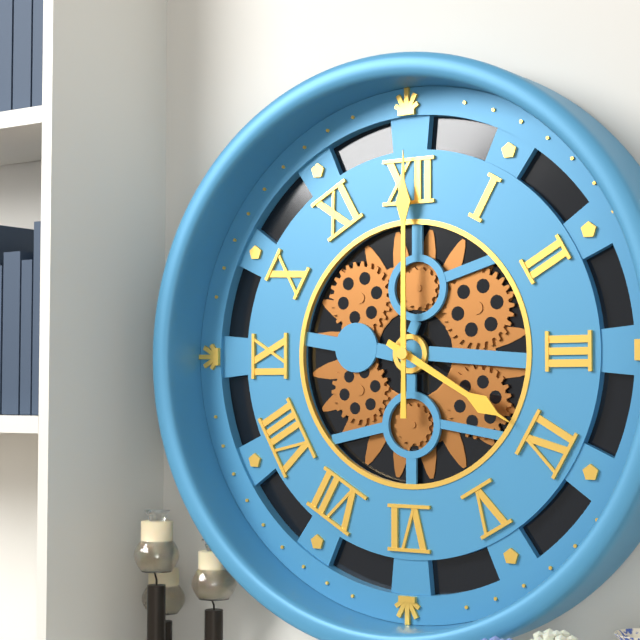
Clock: 4:00
